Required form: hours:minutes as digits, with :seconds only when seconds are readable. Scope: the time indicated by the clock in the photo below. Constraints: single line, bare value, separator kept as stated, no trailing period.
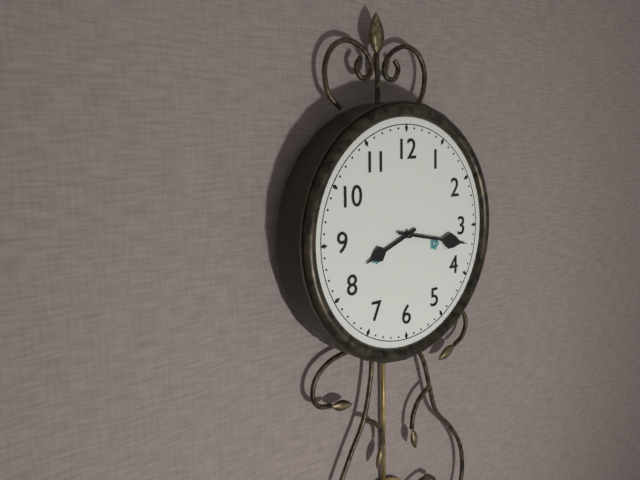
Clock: 8:17
